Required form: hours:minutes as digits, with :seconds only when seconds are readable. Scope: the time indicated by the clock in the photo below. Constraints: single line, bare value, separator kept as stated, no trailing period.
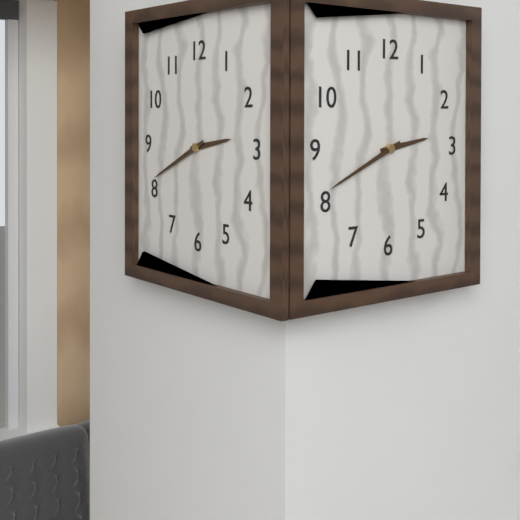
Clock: 2:41
